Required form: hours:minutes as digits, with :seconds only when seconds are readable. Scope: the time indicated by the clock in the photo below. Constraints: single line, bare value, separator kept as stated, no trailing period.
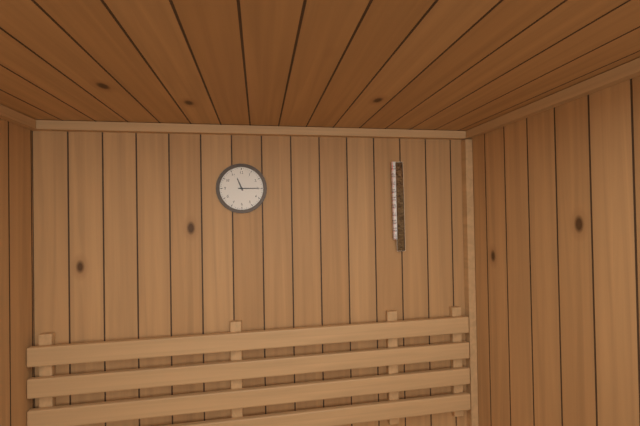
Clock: 11:15
